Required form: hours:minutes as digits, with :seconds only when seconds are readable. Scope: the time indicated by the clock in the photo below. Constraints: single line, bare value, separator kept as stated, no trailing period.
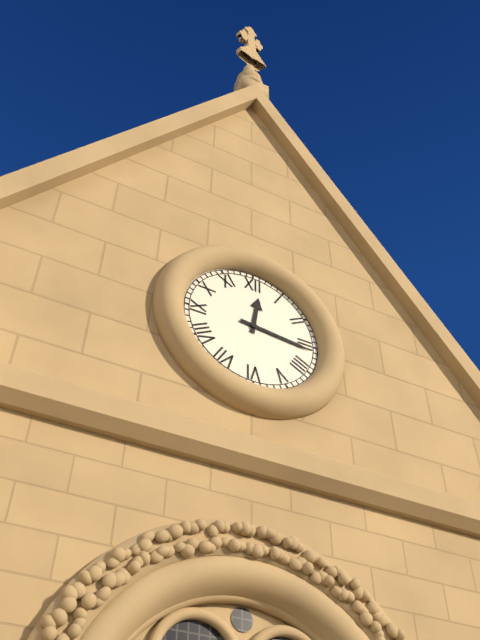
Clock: 12:16
